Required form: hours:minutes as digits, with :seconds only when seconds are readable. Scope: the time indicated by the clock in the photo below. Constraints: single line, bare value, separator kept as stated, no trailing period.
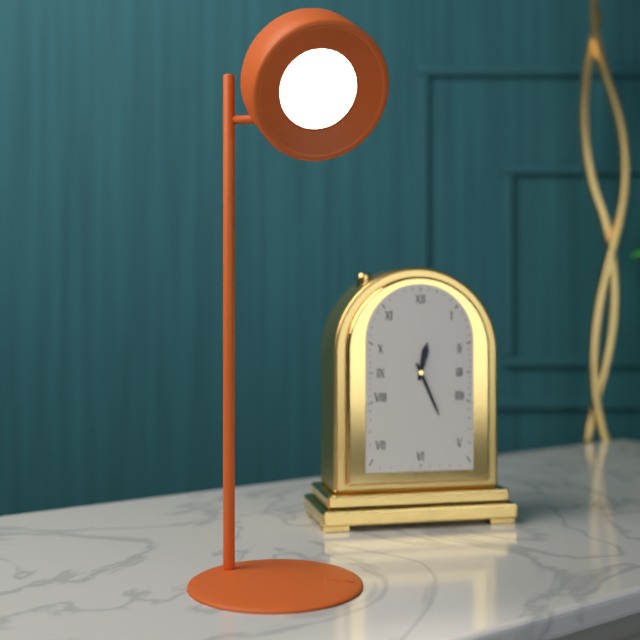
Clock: 12:26
